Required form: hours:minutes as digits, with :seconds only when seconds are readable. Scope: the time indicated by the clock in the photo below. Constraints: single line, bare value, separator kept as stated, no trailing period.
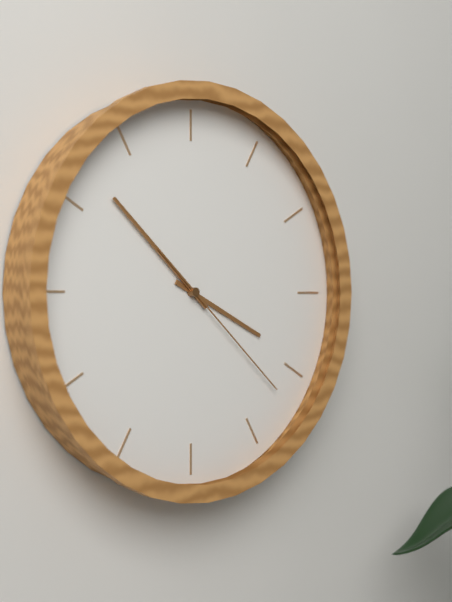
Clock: 3:52:22
